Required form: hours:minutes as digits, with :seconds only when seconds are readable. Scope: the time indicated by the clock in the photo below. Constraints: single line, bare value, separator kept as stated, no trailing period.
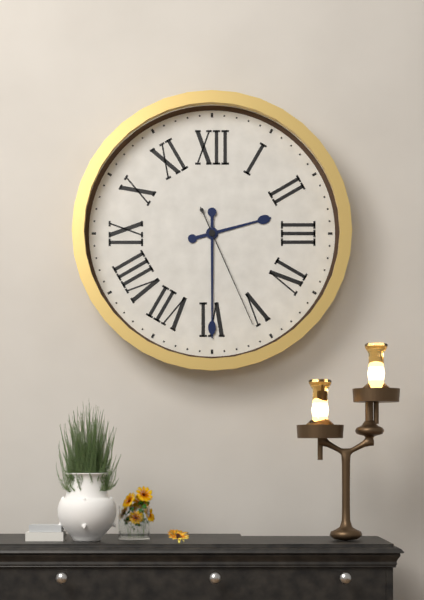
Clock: 2:30:26
